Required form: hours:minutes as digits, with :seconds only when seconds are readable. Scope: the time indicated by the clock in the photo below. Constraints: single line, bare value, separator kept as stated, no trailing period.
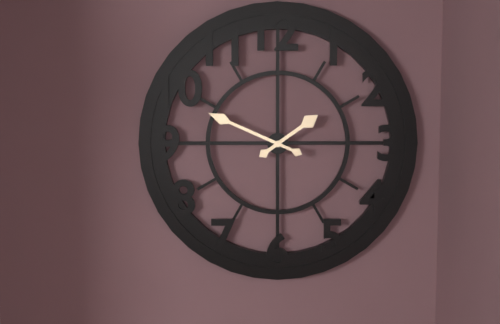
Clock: 1:49
